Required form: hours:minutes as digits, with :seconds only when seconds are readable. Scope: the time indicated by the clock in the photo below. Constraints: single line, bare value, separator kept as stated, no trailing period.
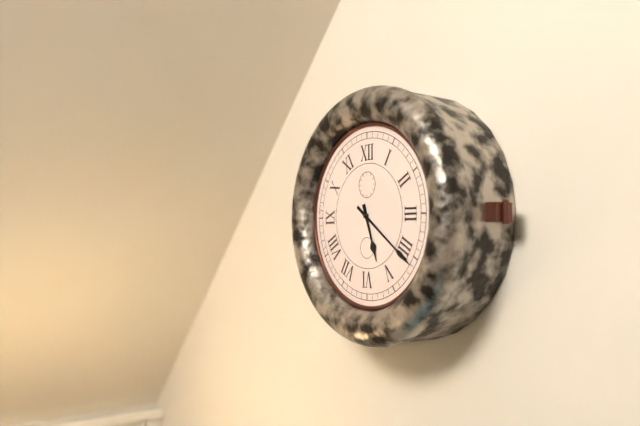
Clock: 5:21
